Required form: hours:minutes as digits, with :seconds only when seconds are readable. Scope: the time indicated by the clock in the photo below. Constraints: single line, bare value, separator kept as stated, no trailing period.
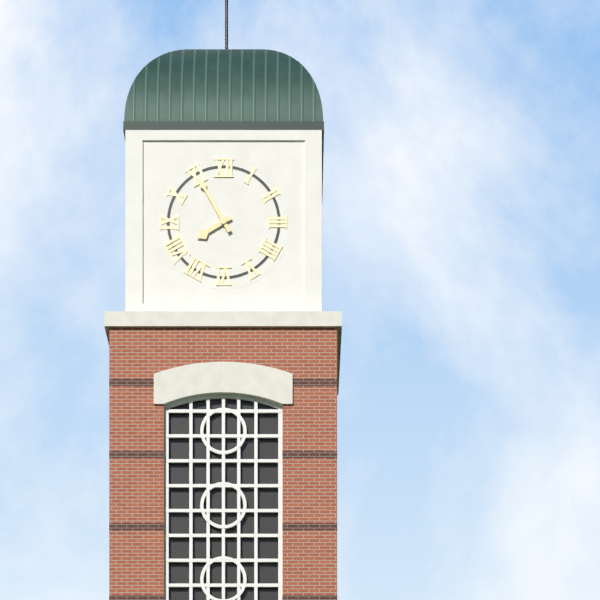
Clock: 7:55
